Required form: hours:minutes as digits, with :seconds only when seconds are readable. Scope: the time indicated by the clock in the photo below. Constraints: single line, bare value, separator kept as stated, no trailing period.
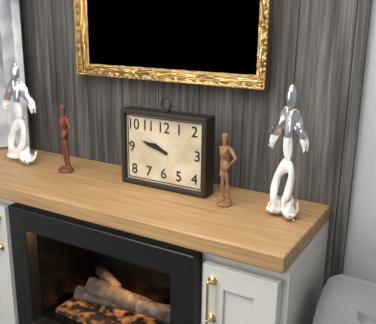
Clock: 9:48
